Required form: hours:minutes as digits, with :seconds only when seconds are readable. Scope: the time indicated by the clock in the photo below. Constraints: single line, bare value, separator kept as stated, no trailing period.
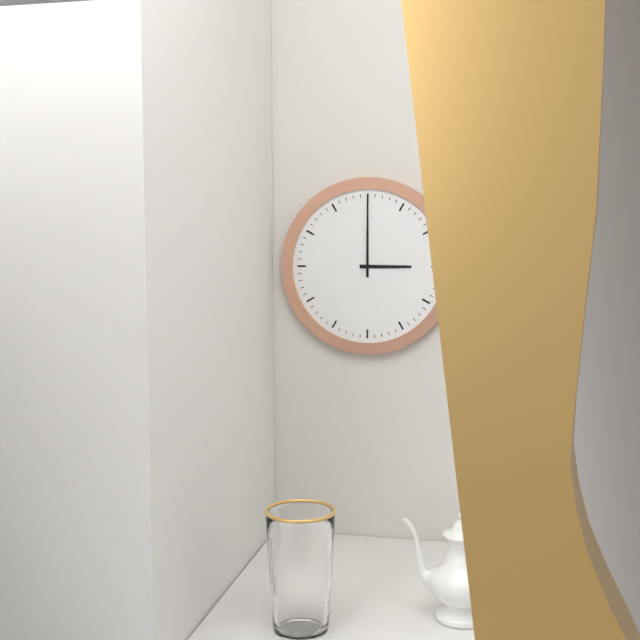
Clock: 3:00
